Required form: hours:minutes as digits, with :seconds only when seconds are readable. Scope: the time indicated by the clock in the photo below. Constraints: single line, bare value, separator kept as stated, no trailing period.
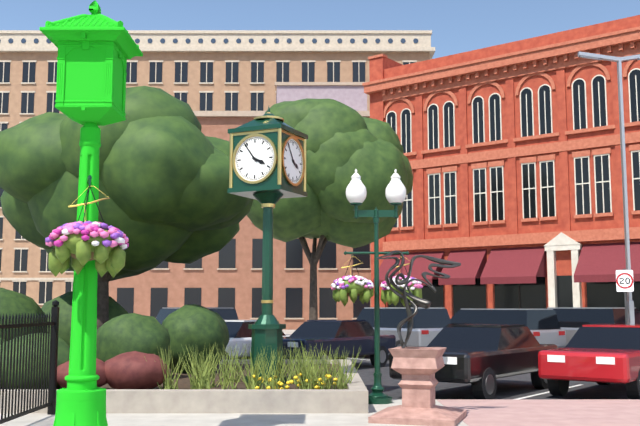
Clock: 3:54
